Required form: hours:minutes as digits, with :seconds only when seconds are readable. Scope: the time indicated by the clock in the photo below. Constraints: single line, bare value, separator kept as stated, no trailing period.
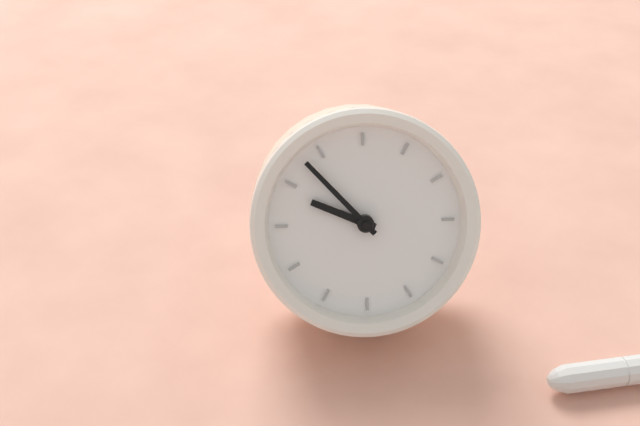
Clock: 8:48
